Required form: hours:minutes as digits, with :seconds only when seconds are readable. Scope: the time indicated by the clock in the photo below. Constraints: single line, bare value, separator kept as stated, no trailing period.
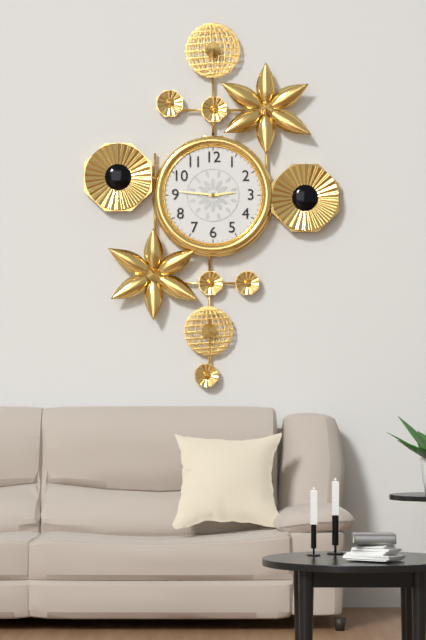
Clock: 2:46
